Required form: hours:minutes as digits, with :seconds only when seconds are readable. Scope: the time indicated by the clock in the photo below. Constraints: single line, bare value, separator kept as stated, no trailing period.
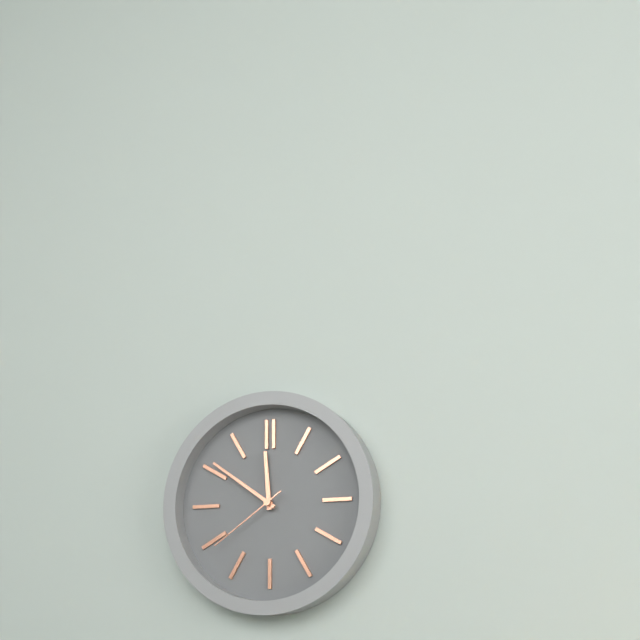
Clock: 11:51:39
